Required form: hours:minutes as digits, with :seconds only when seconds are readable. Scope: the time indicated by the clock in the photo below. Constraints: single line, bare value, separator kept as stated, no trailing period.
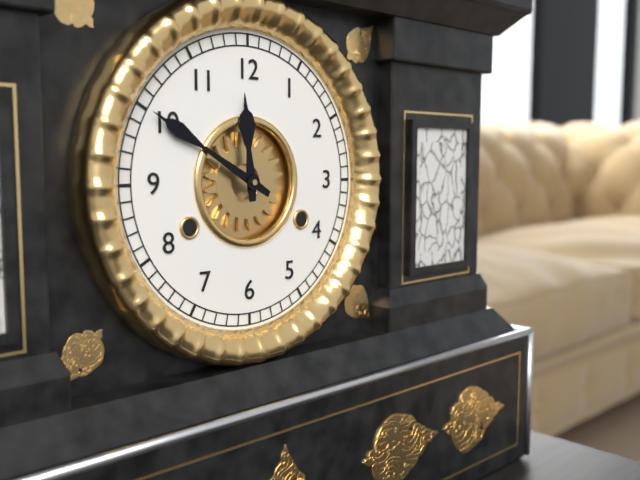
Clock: 11:50
